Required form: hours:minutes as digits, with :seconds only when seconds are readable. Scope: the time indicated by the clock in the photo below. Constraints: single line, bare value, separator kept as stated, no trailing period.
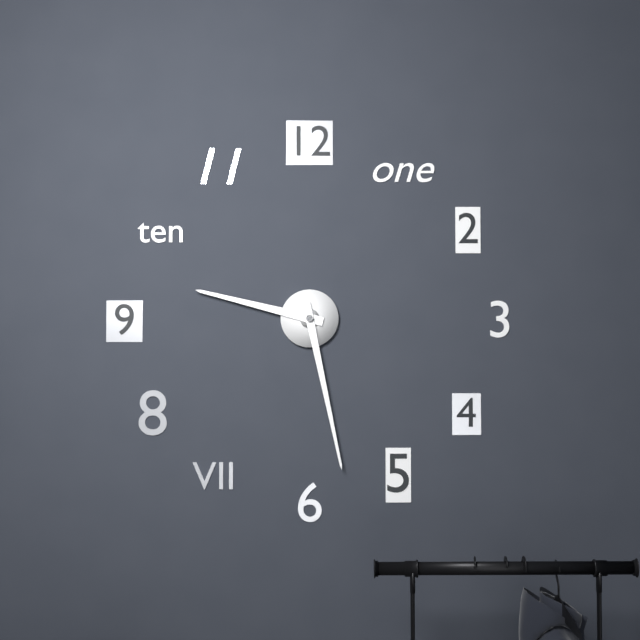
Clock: 9:28
